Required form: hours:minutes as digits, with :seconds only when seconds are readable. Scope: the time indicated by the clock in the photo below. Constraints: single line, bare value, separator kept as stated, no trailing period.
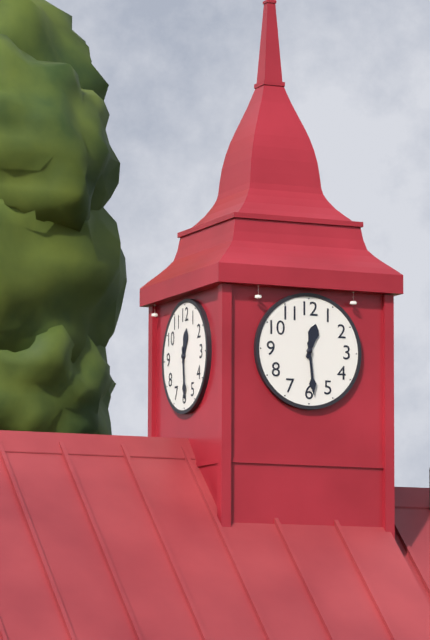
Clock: 12:29
